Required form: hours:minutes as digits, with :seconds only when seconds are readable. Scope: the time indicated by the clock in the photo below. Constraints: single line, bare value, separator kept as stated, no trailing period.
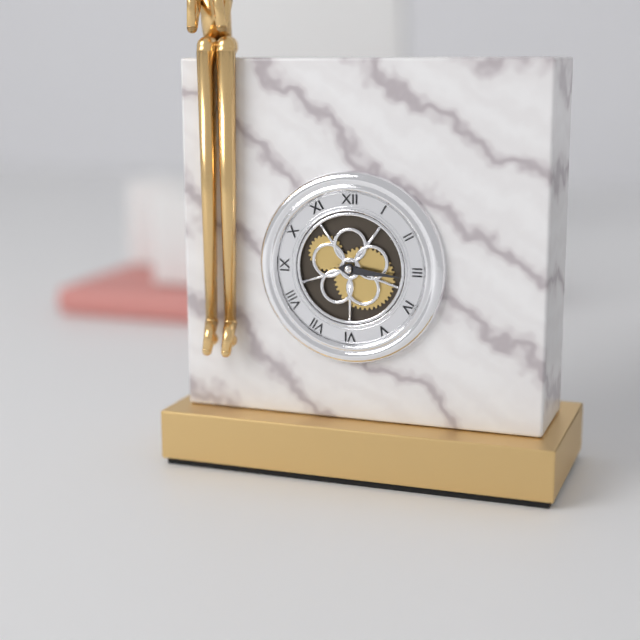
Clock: 3:16
